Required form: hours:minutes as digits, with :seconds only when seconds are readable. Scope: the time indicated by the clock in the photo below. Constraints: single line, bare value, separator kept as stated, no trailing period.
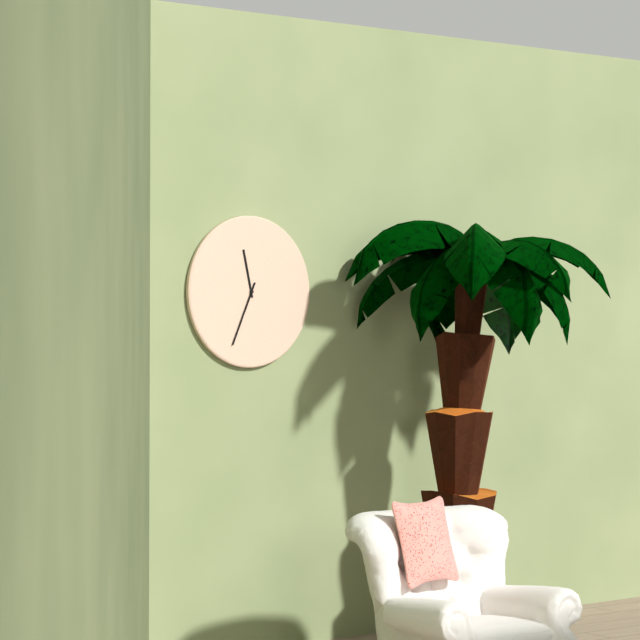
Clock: 11:34
